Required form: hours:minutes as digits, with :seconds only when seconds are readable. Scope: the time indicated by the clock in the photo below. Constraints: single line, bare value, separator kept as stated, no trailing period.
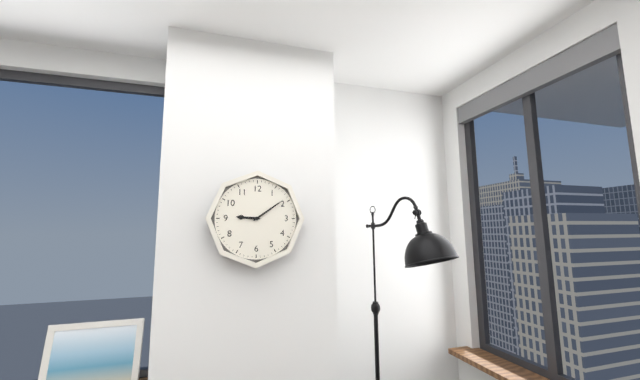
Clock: 9:09
